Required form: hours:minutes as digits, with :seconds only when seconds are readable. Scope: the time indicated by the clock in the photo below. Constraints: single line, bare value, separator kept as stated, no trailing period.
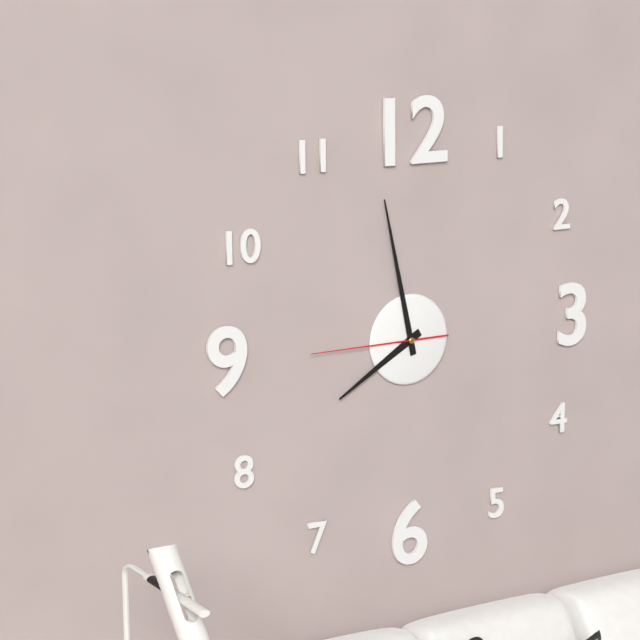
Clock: 7:58:45
